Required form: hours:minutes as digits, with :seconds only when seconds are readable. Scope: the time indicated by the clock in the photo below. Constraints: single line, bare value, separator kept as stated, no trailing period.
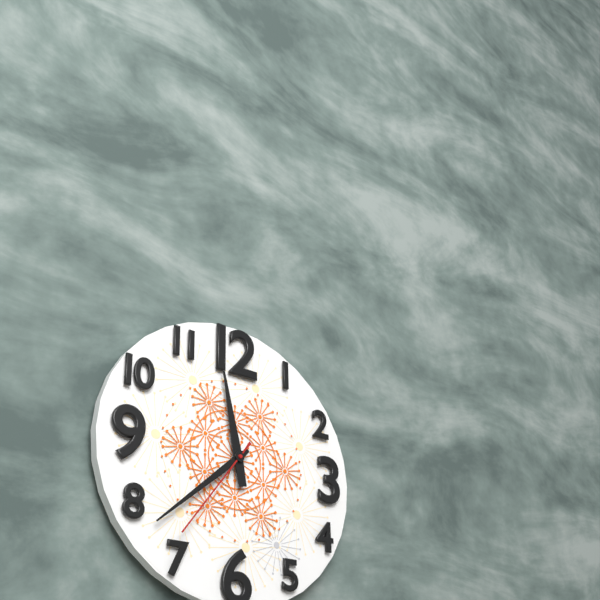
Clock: 11:38:36
